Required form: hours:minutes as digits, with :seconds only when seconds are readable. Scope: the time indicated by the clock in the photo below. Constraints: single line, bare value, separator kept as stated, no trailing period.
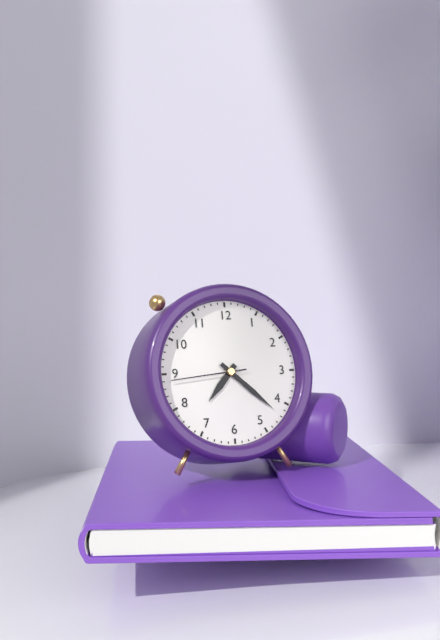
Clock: 7:22:44
